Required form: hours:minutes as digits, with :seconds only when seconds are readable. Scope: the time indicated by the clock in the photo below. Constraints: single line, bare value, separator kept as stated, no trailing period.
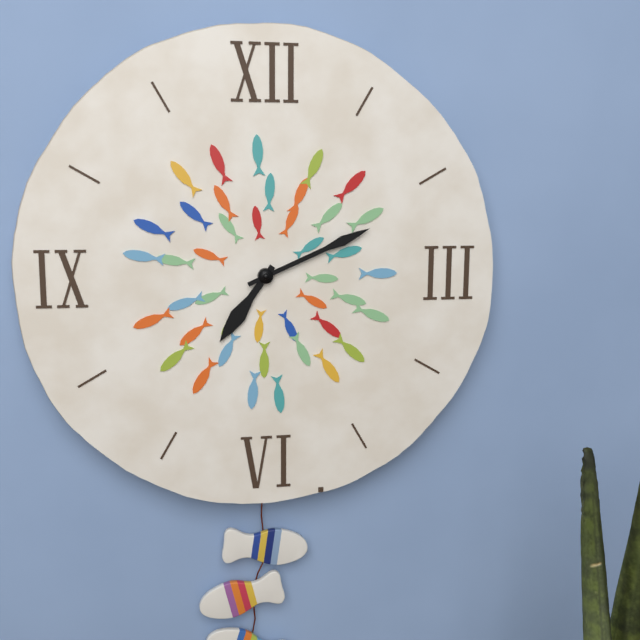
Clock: 7:11
